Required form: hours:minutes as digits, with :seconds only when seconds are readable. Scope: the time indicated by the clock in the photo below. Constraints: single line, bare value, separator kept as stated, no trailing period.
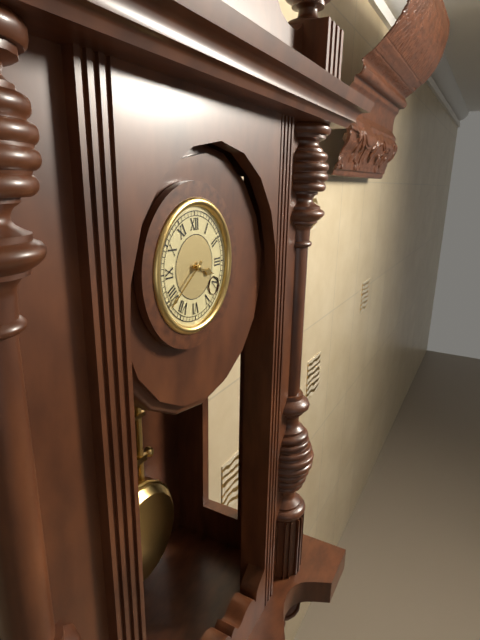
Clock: 3:39
